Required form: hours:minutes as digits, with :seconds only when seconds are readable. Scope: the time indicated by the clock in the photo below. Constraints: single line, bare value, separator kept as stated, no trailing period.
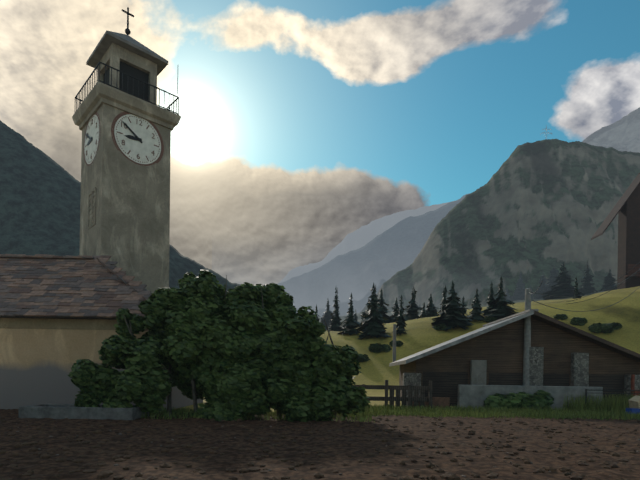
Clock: 8:51
